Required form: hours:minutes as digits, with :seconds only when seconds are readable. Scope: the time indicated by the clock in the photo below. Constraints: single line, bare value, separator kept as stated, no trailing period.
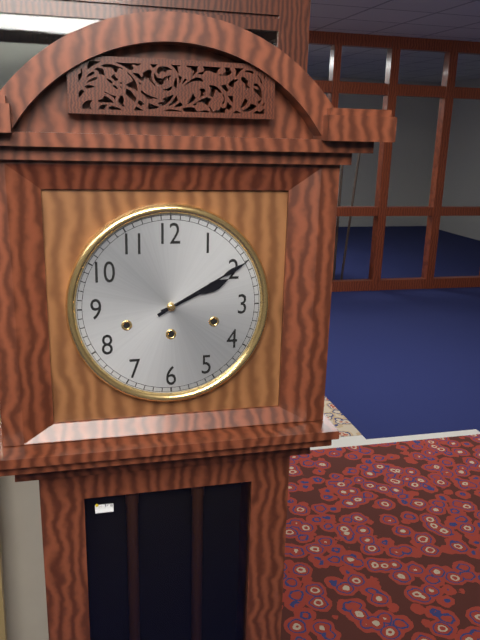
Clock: 2:10
